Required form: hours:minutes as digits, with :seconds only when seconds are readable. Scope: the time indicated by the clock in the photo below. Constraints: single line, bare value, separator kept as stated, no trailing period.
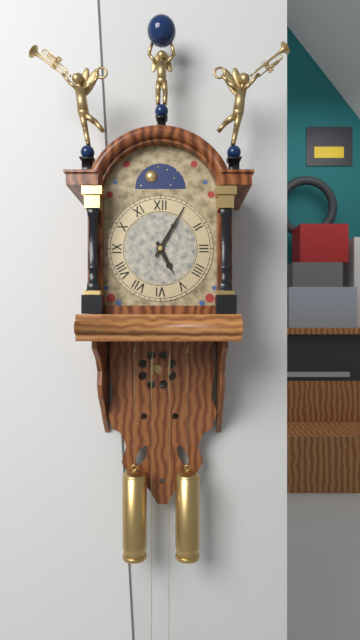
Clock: 5:05
